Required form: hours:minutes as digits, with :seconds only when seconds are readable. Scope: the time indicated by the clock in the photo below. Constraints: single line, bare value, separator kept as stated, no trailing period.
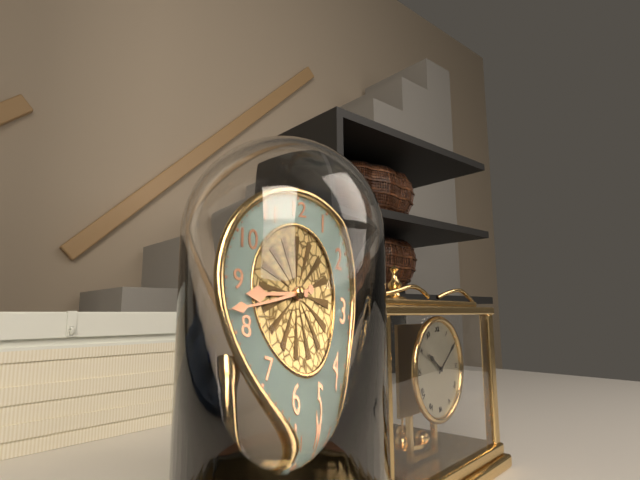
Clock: 8:42
